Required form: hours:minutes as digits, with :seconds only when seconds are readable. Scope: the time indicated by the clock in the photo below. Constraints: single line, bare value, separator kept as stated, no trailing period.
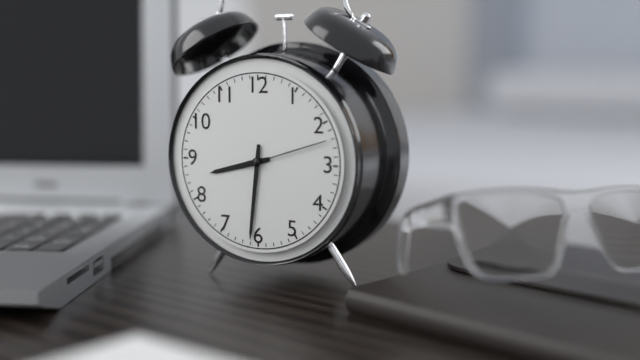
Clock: 8:31:12
